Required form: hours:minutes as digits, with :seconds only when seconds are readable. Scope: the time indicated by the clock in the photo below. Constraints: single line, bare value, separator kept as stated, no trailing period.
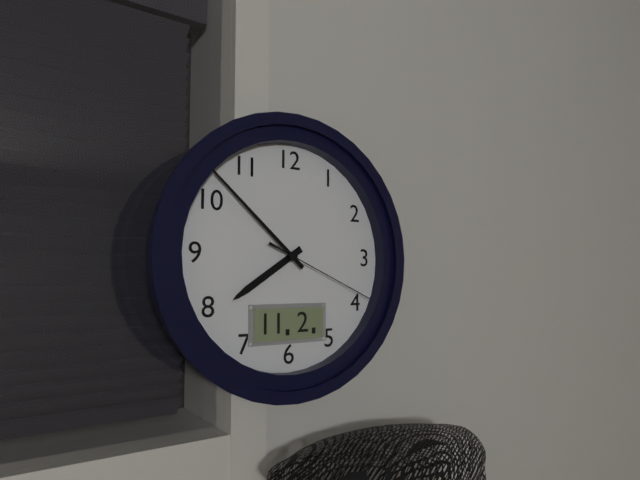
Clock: 7:52:19
